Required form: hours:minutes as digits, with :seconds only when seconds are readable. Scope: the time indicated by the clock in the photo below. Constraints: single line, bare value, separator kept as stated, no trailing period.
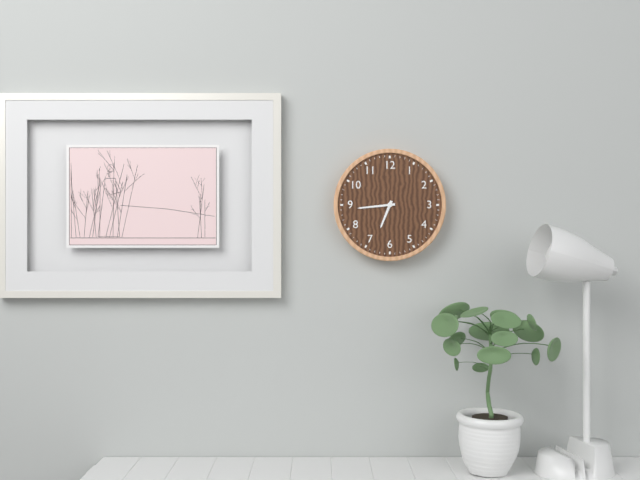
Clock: 6:44
